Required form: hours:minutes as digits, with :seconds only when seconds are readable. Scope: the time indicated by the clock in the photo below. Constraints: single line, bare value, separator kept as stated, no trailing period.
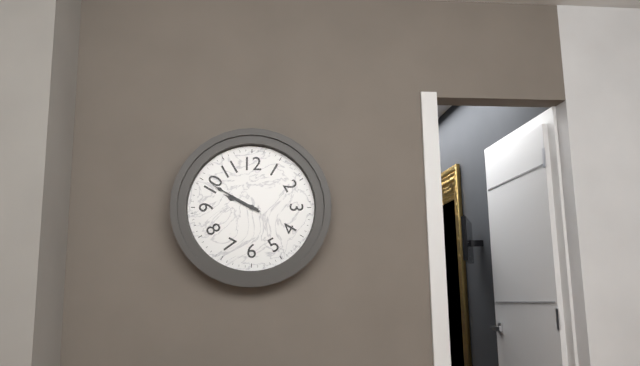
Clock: 9:50
